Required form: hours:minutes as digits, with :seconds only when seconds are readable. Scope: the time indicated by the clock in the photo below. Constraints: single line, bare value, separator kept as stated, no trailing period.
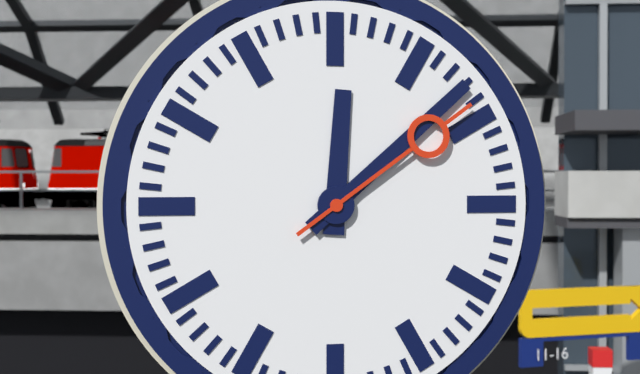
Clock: 12:08:09
